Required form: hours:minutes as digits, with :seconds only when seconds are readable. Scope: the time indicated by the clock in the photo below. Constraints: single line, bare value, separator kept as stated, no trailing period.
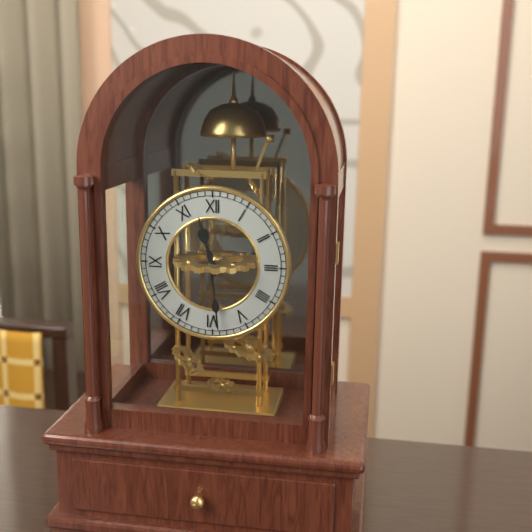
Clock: 11:29
